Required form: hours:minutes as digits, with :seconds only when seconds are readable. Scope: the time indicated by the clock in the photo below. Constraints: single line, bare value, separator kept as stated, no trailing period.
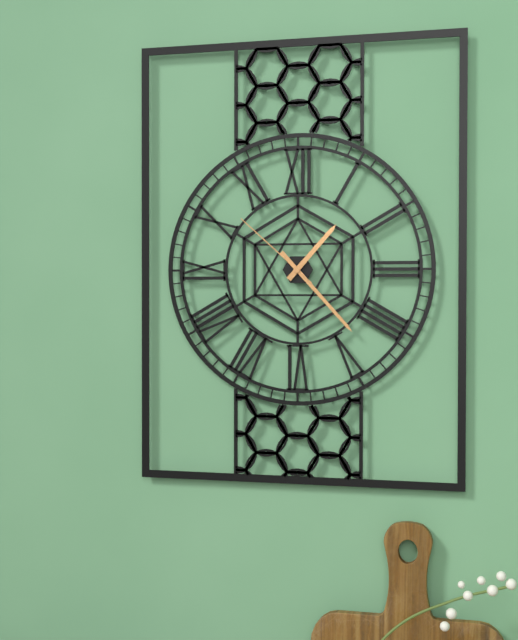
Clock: 1:23:52
